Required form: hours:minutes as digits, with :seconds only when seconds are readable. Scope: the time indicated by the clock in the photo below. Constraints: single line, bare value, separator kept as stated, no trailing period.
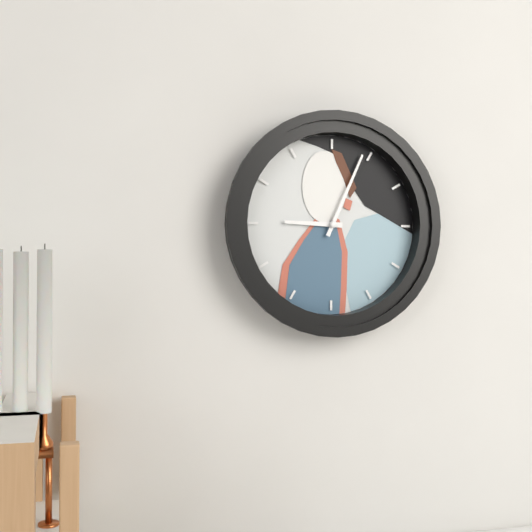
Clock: 9:04
